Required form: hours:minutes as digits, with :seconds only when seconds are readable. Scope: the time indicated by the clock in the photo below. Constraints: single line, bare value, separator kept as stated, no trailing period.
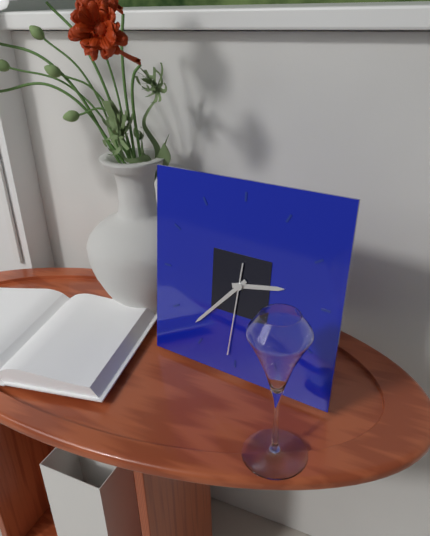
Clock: 2:37:31
